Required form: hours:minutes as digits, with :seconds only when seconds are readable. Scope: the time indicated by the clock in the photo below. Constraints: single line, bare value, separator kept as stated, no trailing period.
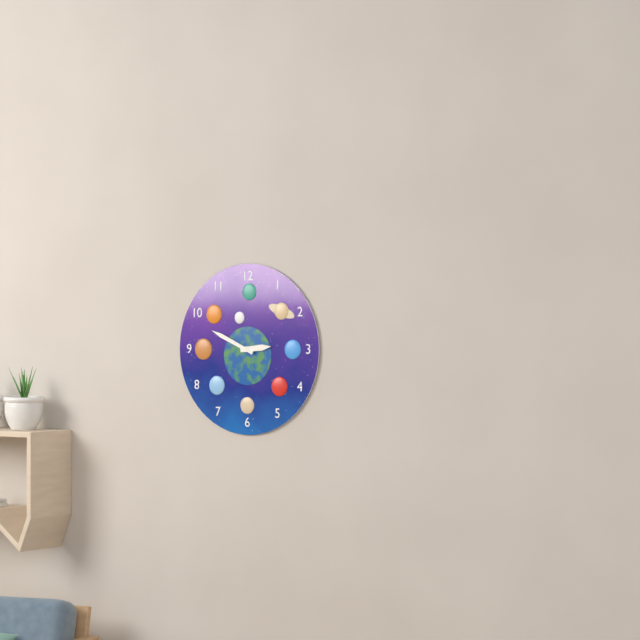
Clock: 2:49
